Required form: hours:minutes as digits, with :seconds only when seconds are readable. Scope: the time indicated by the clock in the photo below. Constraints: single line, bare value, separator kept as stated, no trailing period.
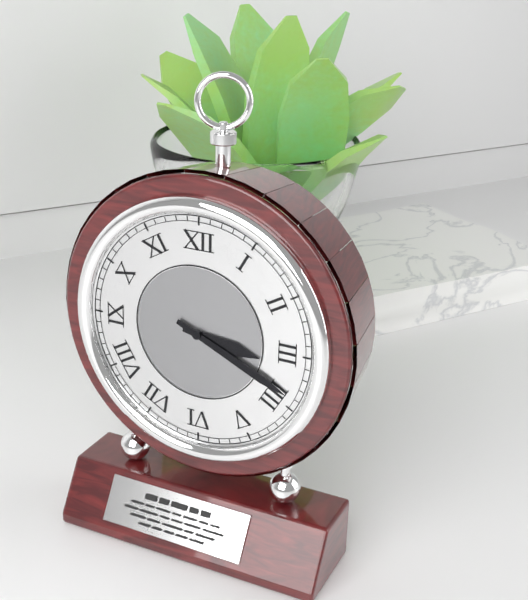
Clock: 3:19
